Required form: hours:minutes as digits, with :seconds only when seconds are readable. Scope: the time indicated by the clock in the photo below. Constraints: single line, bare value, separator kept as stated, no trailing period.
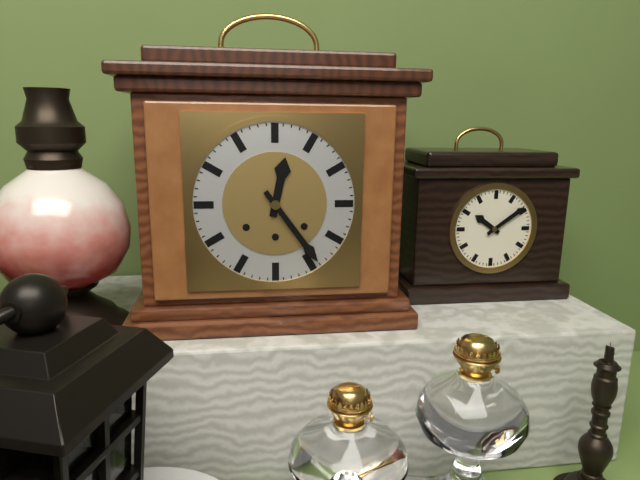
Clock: 12:24
